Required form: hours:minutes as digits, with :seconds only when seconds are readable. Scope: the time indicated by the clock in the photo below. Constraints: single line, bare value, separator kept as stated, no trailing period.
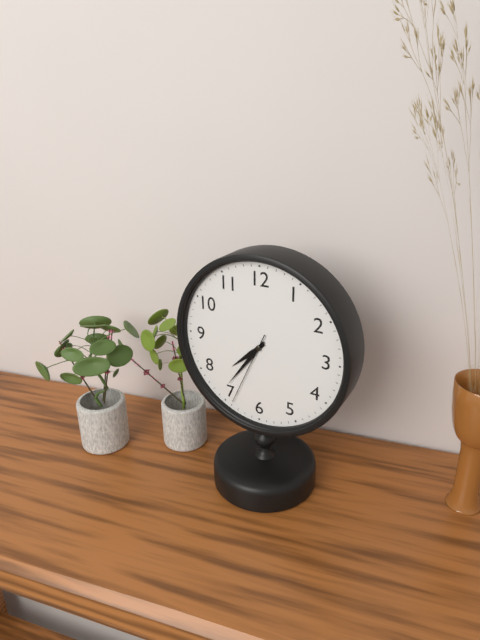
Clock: 7:36:34
